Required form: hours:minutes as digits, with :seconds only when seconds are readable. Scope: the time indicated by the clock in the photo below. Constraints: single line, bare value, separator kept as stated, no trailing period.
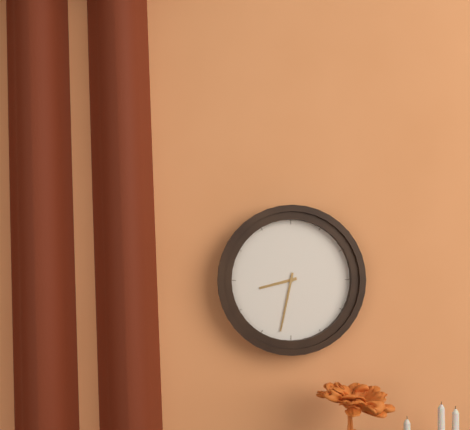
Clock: 8:32
